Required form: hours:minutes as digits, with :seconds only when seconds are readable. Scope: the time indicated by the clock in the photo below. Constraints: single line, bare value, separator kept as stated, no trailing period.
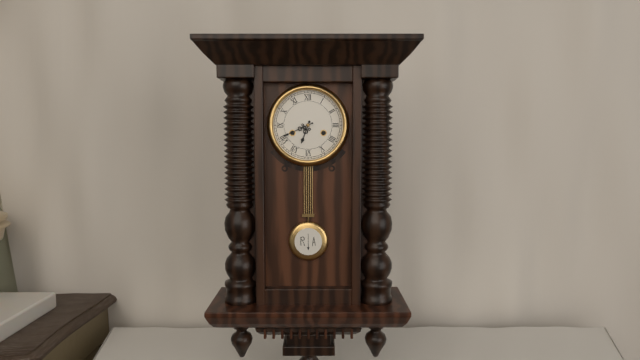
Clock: 6:41
